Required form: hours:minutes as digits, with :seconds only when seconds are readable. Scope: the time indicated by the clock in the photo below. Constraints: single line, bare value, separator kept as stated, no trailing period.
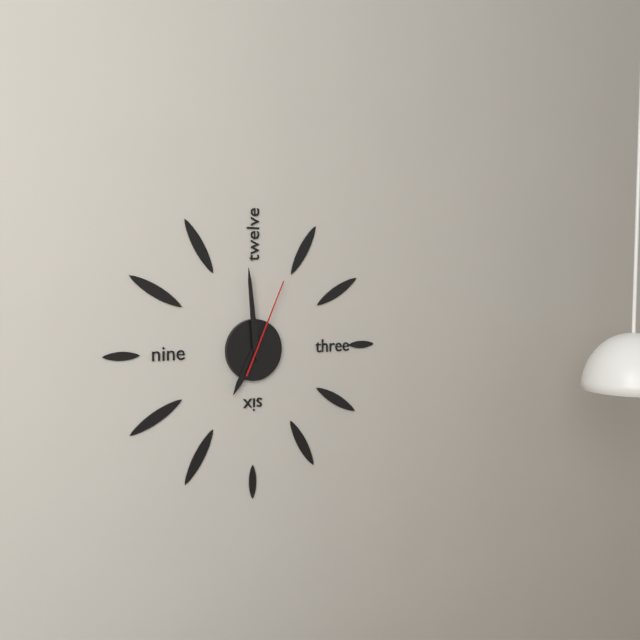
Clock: 6:59:04
